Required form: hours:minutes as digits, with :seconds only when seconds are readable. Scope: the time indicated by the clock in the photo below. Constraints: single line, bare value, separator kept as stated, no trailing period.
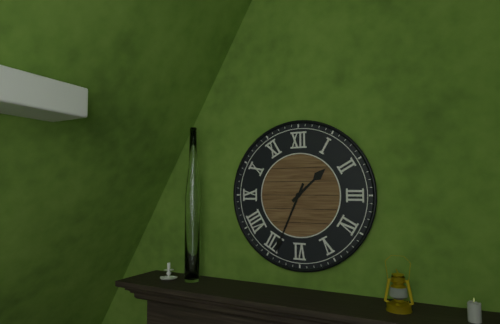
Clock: 1:34
